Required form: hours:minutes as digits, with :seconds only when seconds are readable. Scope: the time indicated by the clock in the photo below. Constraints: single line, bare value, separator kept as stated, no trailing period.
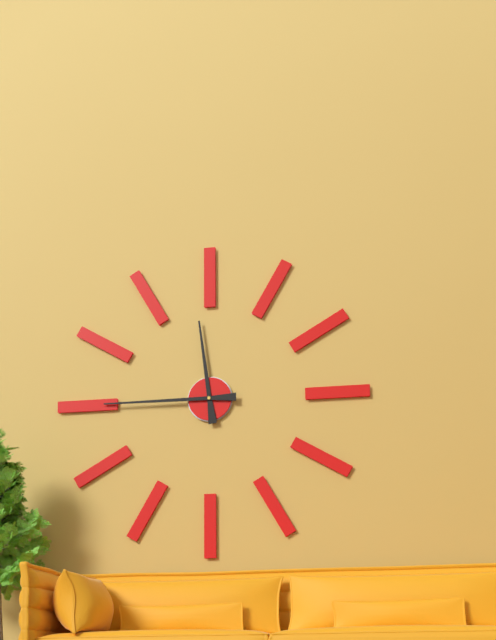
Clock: 11:45
